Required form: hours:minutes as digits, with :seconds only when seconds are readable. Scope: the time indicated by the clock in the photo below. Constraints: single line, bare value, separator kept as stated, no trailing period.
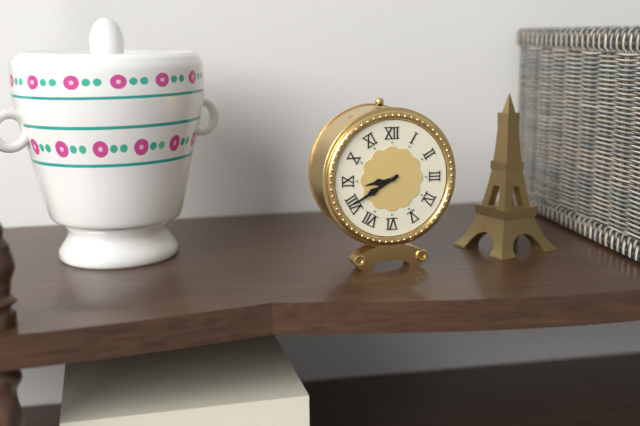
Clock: 8:40
